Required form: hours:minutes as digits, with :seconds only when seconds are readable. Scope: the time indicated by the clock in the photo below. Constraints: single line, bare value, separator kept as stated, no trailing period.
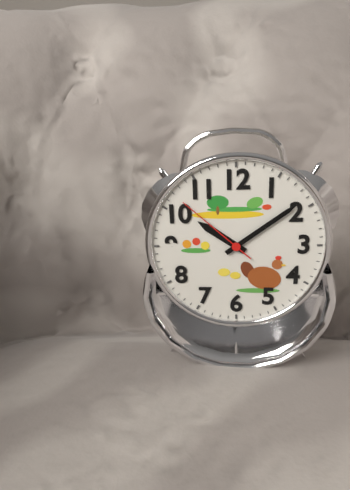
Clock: 10:09:52
